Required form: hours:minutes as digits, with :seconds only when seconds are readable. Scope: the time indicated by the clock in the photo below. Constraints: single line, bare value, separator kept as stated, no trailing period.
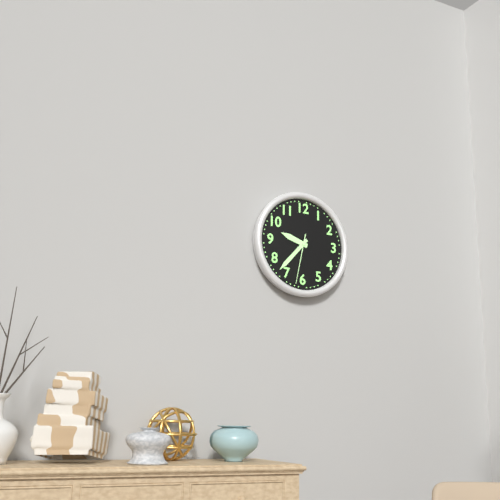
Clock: 9:37:32
